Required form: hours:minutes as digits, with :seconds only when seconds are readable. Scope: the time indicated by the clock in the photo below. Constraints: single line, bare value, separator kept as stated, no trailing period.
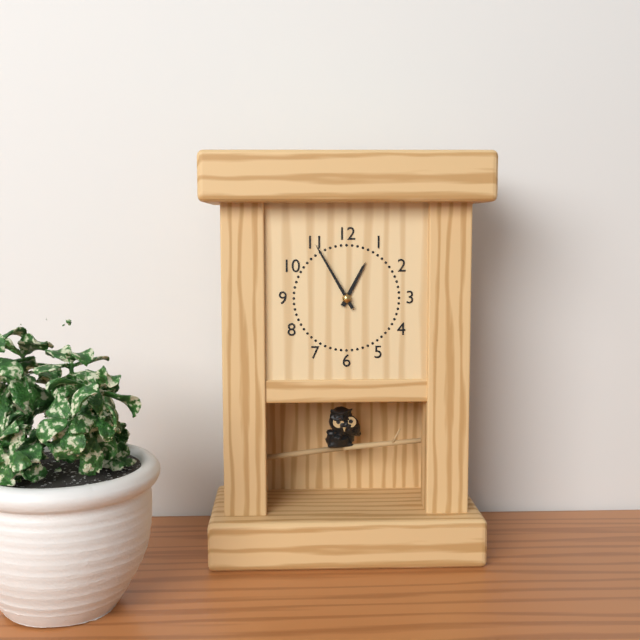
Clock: 12:55
